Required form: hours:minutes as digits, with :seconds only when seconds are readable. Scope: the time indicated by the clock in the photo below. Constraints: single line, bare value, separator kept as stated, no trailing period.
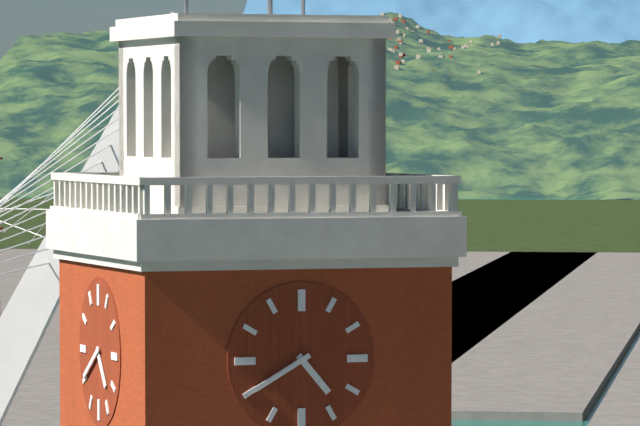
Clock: 4:40
